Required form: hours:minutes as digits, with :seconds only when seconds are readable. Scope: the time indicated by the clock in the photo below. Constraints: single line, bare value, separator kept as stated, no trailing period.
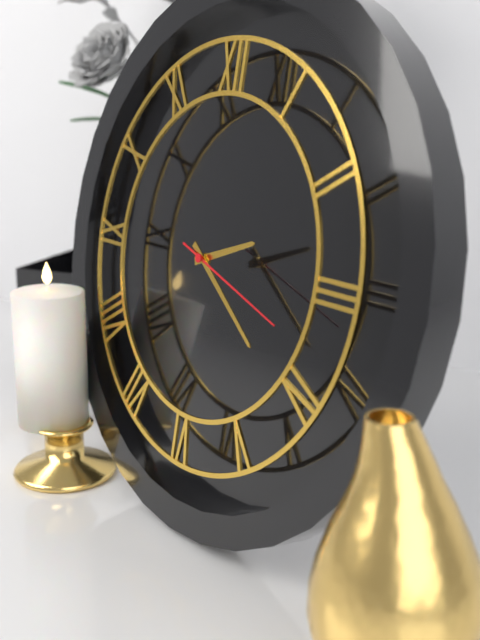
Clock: 2:21:18
